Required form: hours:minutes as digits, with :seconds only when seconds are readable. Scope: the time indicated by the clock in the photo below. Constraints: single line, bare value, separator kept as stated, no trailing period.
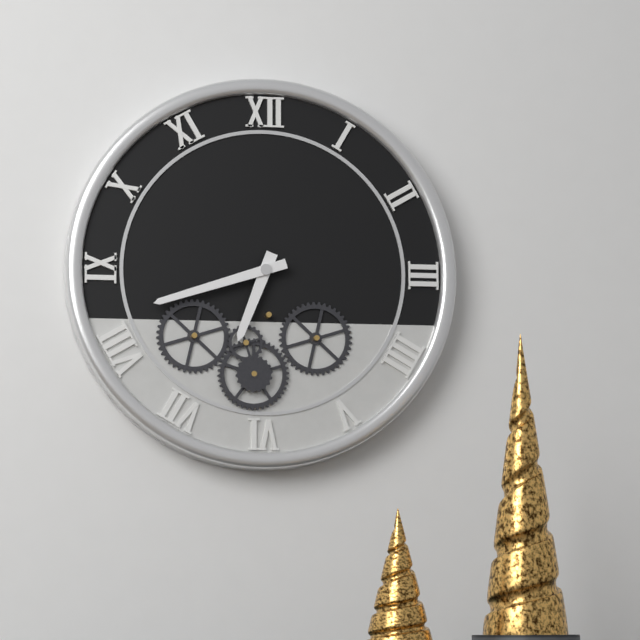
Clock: 6:42
